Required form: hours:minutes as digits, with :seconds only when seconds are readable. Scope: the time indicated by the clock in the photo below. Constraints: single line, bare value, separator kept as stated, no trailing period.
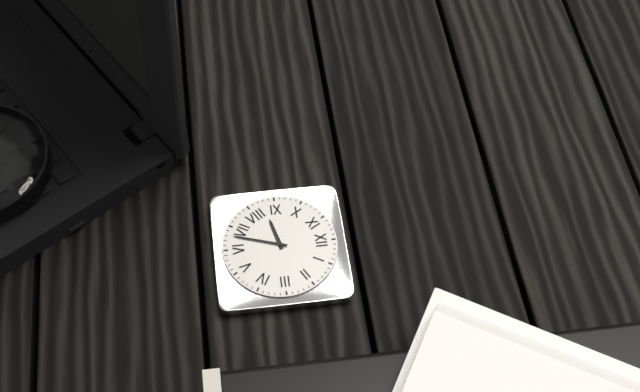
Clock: 8:33
